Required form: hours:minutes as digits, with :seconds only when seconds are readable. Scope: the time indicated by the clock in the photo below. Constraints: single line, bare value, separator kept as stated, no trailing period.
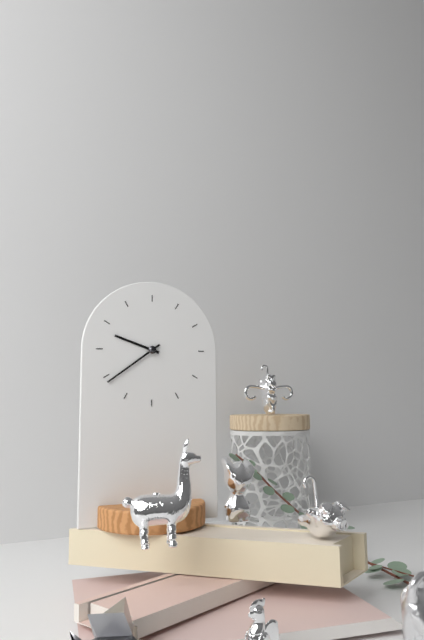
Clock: 9:39
